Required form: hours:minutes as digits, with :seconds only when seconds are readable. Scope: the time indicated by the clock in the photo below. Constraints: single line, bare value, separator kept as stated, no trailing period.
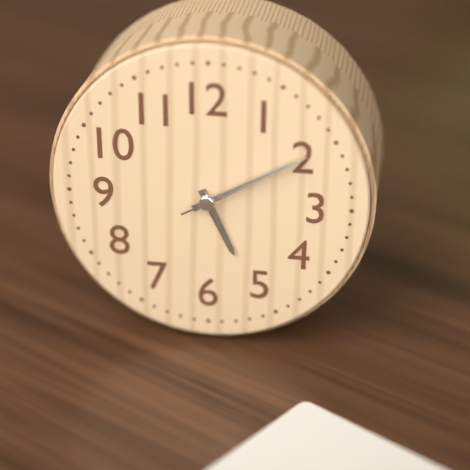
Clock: 5:10:10
